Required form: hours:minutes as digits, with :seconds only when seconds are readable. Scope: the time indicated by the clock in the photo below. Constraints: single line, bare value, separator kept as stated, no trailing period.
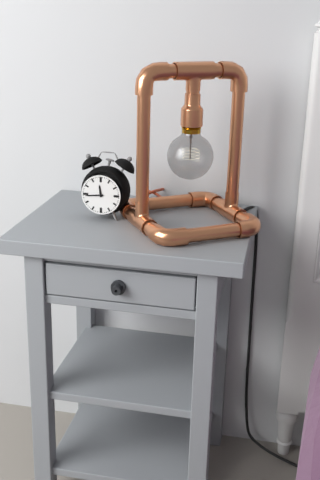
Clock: 11:44
